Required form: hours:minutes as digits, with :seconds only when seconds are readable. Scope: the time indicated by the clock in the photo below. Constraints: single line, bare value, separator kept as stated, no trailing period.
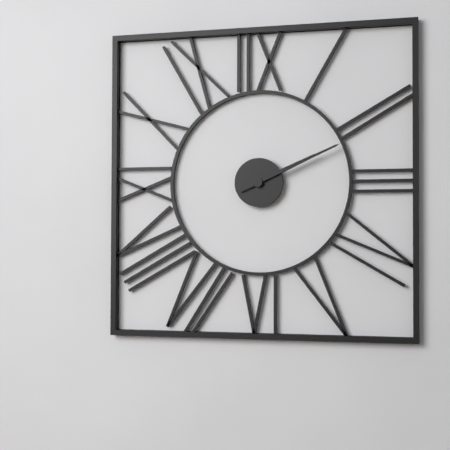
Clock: 2:11
